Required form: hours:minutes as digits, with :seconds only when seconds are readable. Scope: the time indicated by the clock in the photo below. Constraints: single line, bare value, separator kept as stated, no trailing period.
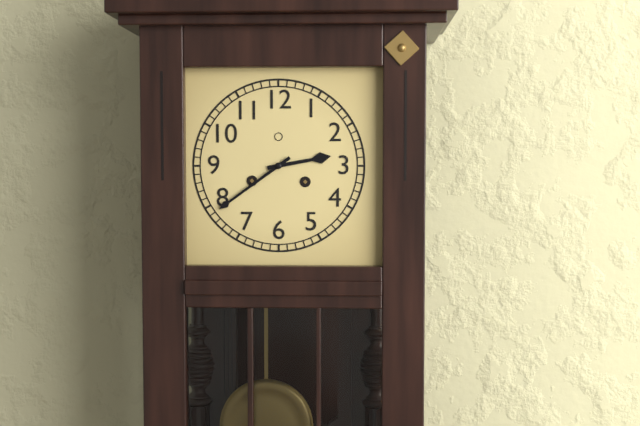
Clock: 2:39
